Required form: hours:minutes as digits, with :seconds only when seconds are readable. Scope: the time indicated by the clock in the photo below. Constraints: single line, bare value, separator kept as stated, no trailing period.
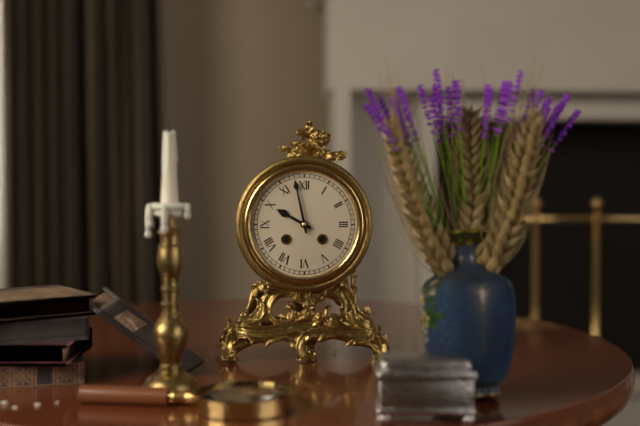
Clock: 9:58
